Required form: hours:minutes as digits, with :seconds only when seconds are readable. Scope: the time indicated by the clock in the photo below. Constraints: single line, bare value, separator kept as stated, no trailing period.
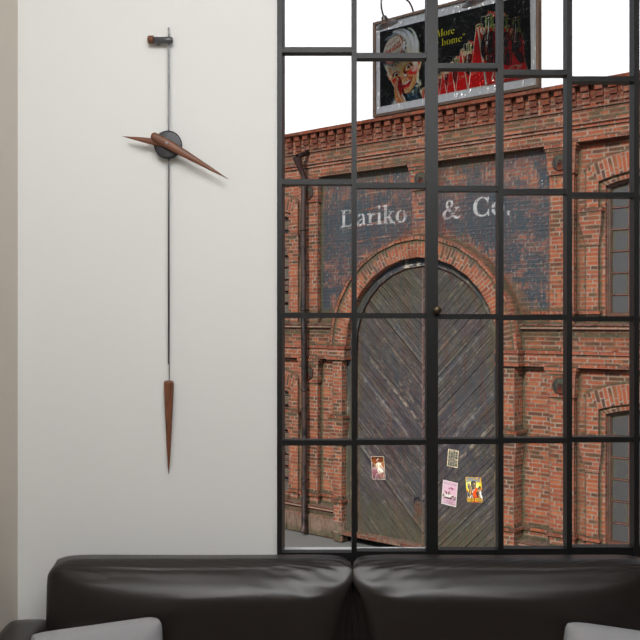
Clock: 9:20
